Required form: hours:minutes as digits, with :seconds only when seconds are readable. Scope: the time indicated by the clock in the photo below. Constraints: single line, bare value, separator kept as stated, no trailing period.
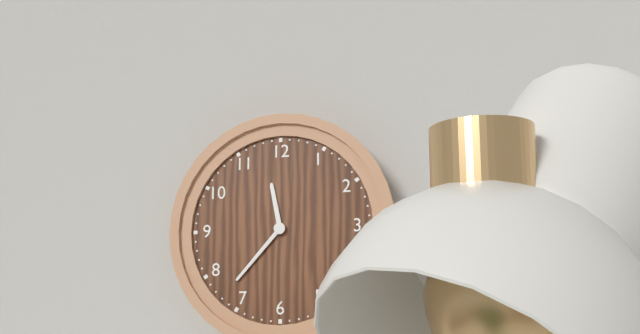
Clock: 11:37
